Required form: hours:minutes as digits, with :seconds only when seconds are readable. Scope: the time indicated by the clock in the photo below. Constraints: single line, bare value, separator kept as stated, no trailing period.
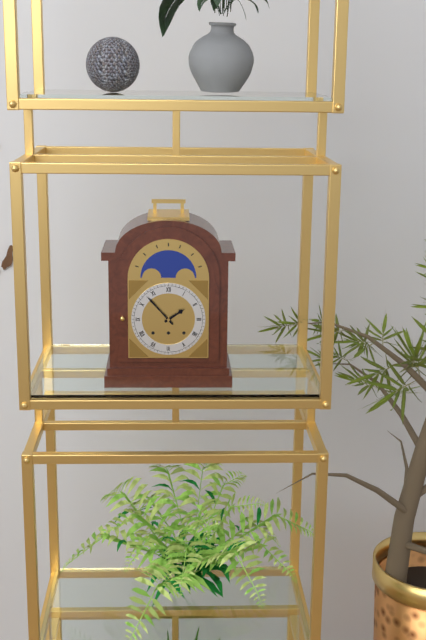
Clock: 1:53
